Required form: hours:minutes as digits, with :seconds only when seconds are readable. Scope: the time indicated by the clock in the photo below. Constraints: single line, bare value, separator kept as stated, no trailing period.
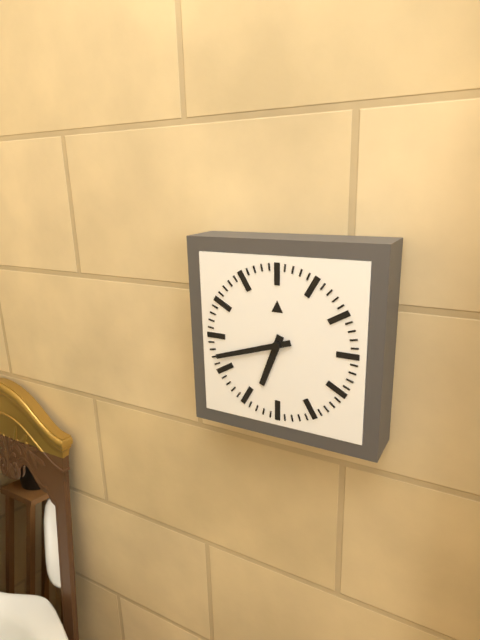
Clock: 6:42
